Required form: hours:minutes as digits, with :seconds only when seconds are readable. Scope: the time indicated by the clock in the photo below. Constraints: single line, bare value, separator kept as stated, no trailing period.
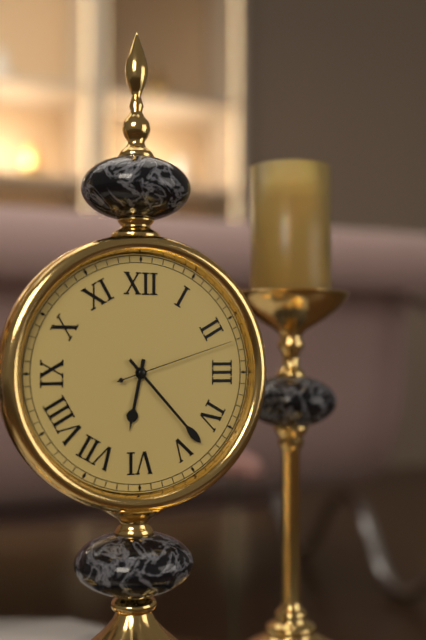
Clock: 6:23:12
